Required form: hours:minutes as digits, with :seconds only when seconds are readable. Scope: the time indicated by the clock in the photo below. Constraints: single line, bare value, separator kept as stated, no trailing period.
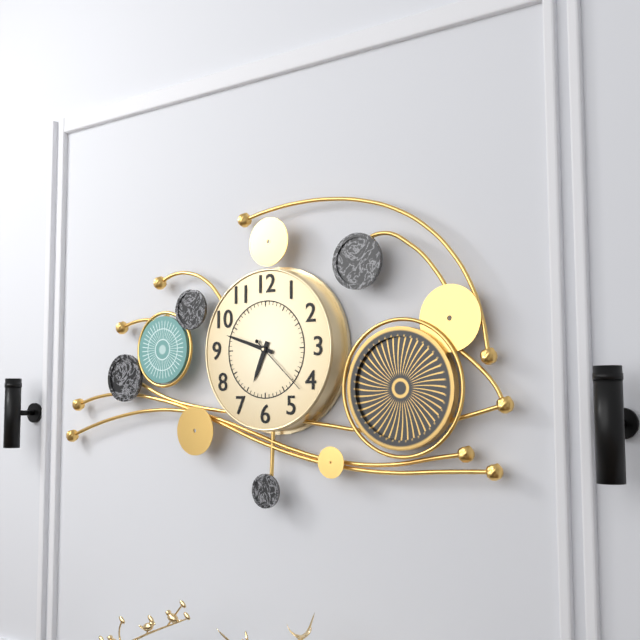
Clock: 6:48:22
